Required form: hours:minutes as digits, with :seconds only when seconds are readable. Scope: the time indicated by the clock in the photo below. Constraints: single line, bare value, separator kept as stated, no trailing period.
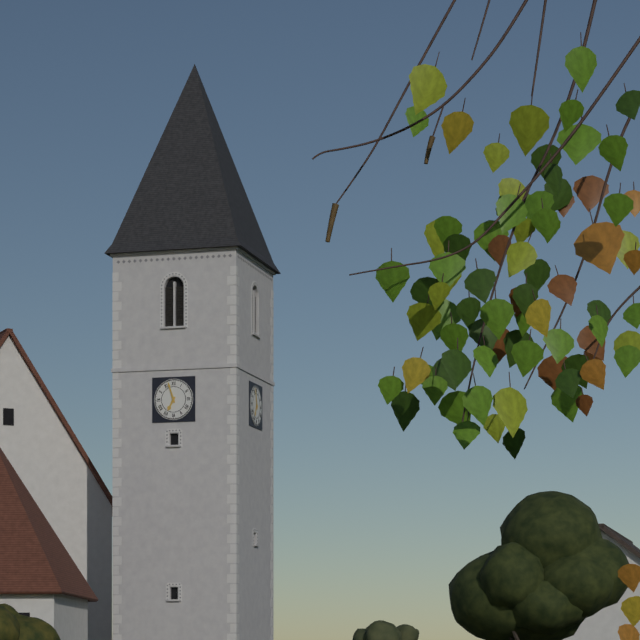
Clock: 6:57
